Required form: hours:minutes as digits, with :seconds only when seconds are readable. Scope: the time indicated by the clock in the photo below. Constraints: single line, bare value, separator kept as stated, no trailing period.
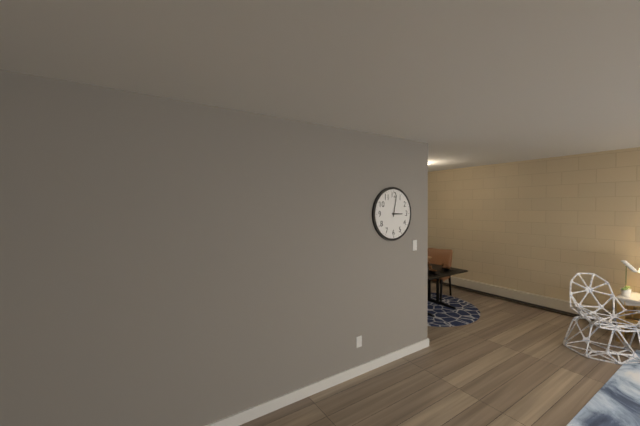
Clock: 3:02
